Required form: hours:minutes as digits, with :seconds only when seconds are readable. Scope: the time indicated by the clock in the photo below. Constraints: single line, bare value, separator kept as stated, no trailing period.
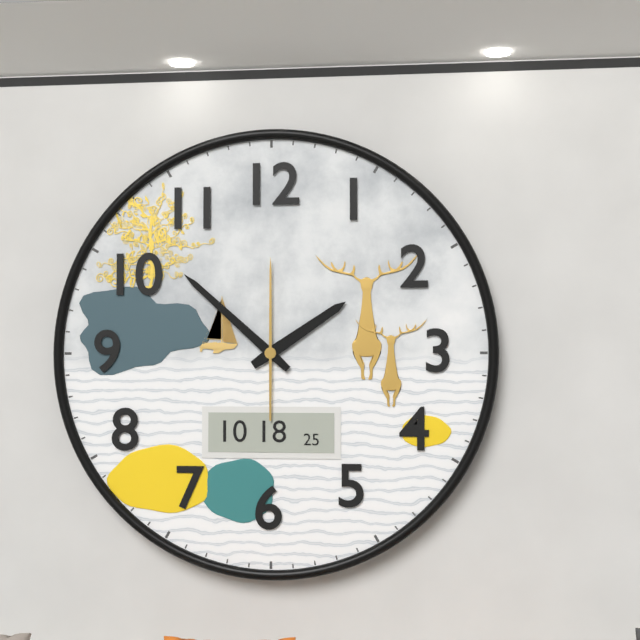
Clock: 1:52:00
